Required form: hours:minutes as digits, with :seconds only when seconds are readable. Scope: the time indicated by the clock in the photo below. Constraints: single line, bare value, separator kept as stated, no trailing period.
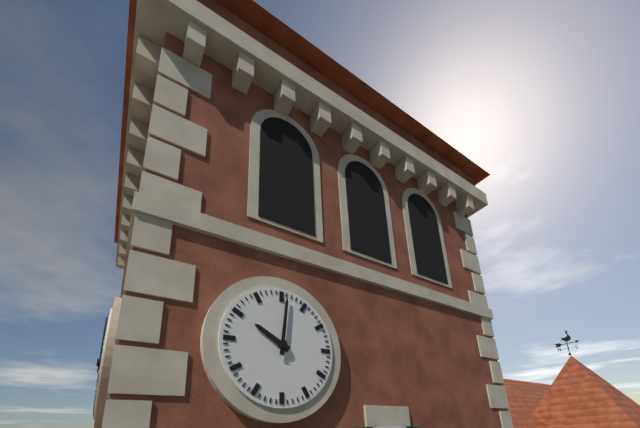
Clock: 10:01
